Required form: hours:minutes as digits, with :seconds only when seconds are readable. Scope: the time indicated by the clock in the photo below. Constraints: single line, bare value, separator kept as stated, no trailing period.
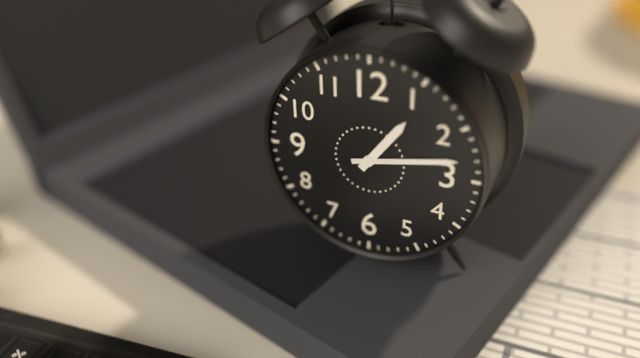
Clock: 1:13
